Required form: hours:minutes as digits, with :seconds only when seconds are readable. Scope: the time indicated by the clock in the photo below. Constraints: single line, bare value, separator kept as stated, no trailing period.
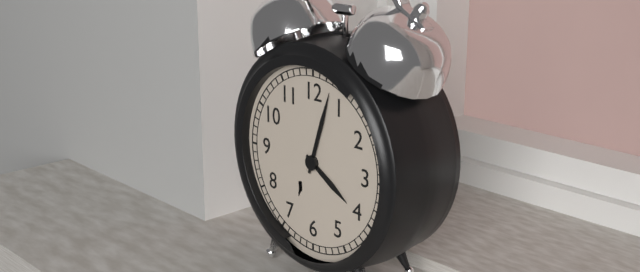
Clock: 4:03
